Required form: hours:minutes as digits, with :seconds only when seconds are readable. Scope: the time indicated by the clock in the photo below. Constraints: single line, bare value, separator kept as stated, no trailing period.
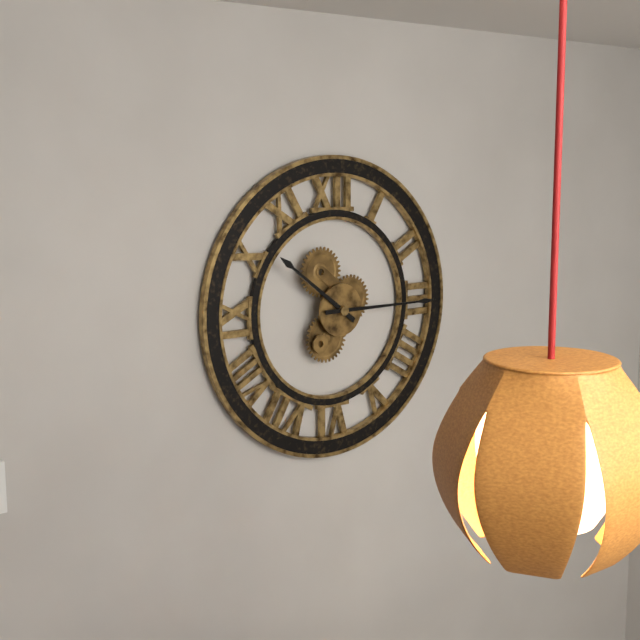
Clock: 10:15
